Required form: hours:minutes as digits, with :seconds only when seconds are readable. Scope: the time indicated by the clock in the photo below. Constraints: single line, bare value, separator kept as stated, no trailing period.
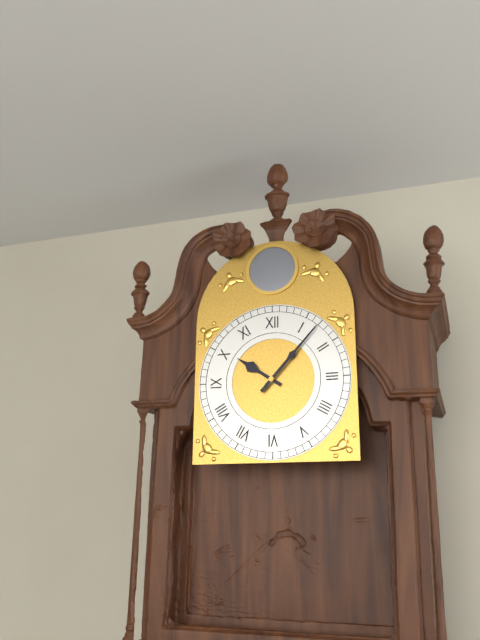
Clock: 10:07
